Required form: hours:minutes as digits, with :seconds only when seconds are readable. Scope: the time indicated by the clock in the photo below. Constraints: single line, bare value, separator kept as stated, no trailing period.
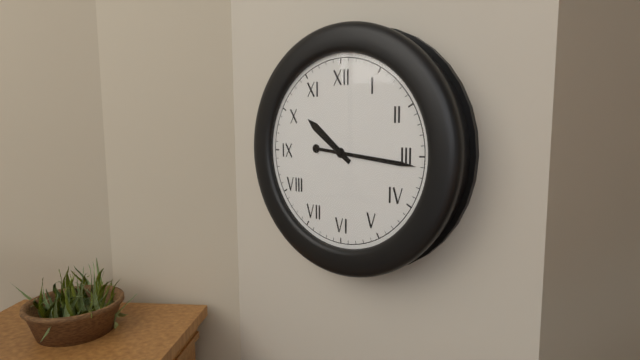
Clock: 10:16
